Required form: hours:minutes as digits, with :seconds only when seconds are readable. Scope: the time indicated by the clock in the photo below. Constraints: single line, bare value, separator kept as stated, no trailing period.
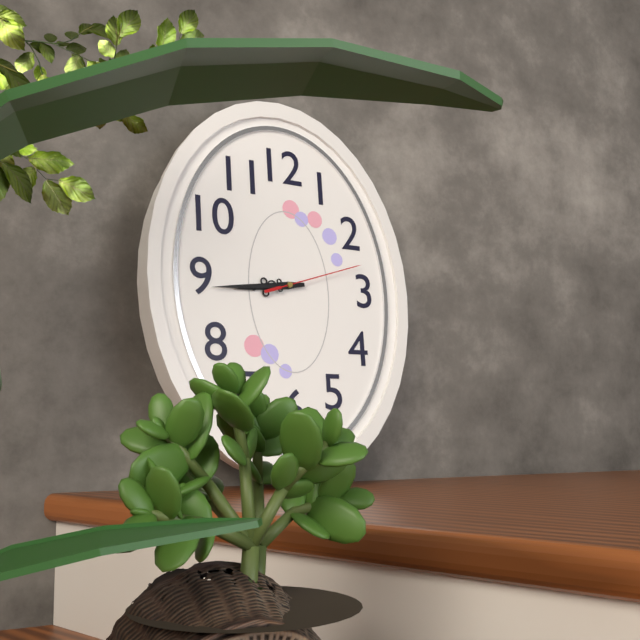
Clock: 8:44:12
